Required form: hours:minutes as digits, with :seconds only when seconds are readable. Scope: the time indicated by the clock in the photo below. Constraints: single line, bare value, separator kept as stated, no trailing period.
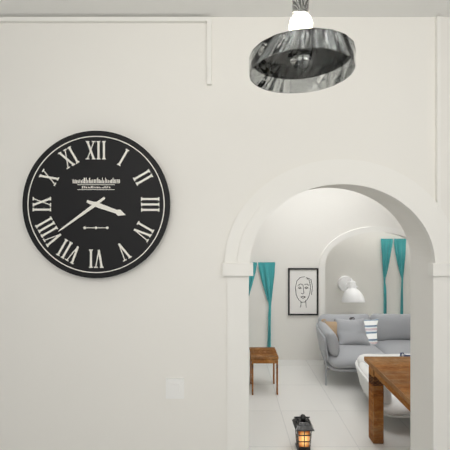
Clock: 3:39
